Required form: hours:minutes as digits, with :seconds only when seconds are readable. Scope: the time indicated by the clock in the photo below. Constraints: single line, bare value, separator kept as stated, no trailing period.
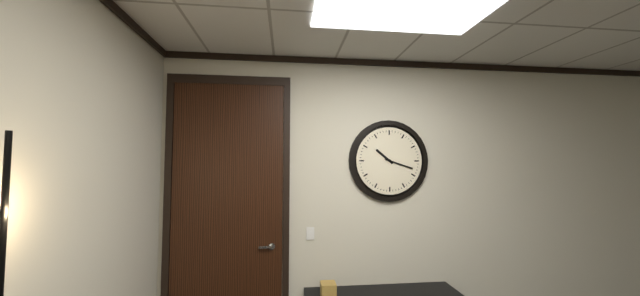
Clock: 10:18
